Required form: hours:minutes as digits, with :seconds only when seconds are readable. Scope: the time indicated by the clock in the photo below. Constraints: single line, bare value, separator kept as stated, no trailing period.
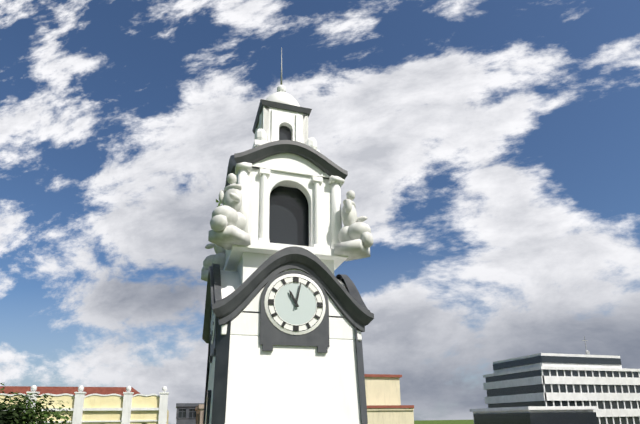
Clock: 11:02
